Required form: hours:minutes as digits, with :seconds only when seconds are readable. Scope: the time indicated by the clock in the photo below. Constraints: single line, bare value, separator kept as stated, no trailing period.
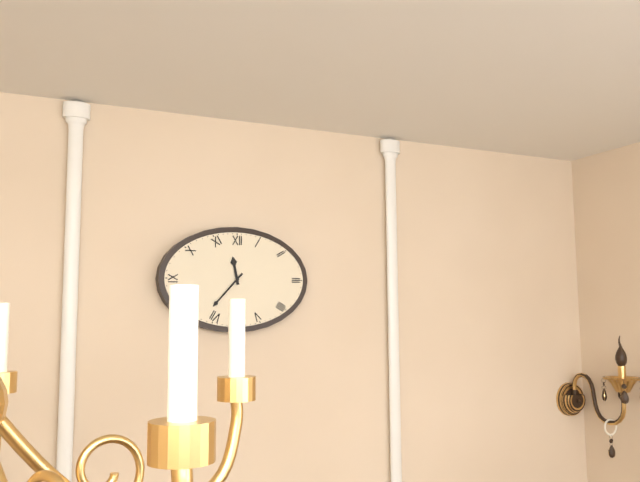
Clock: 11:37
